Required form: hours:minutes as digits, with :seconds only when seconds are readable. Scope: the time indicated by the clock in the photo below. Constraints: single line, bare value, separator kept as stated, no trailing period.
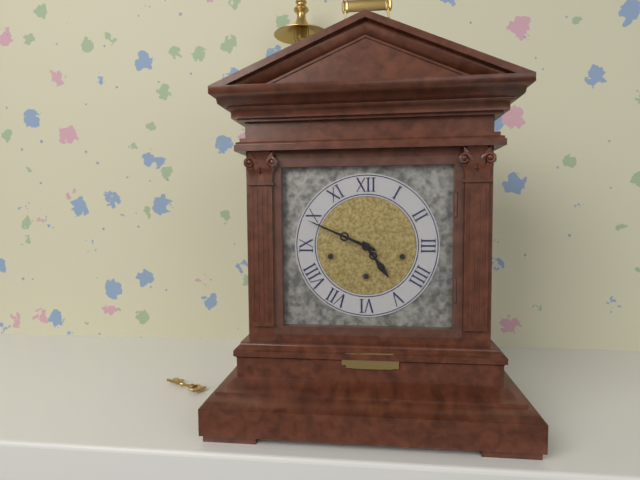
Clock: 4:49
